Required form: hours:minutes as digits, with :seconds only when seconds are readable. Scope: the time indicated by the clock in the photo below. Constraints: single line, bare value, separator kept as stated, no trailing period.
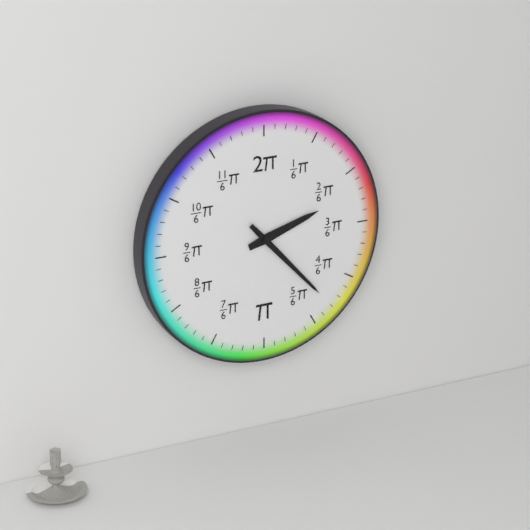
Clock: 2:23
